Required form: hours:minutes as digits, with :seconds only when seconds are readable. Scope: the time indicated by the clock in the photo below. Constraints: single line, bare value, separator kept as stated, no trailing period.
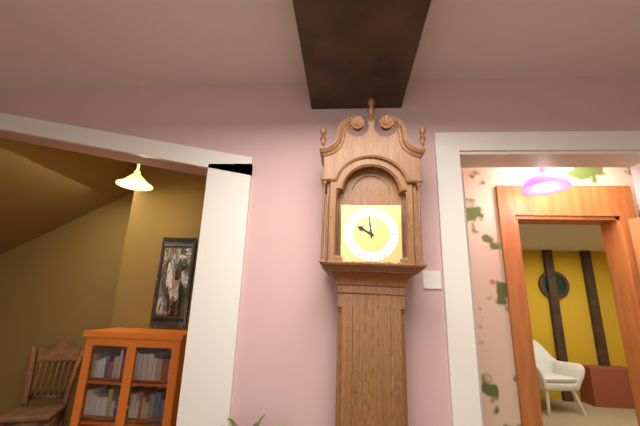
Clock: 9:59
